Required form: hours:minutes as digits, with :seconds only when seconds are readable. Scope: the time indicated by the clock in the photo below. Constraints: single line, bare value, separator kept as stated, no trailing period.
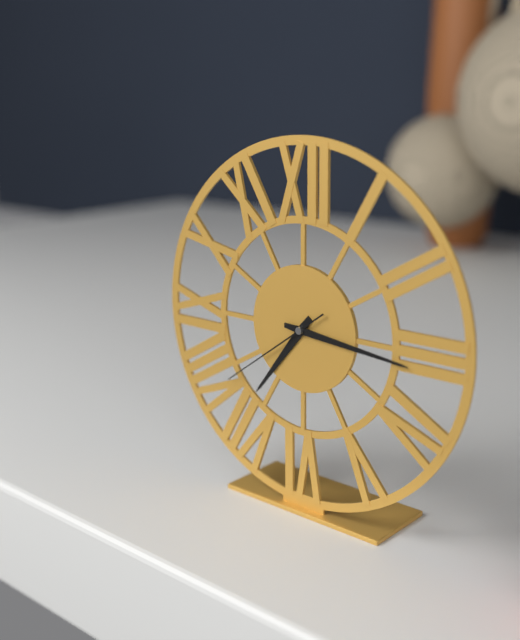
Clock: 7:16:39
